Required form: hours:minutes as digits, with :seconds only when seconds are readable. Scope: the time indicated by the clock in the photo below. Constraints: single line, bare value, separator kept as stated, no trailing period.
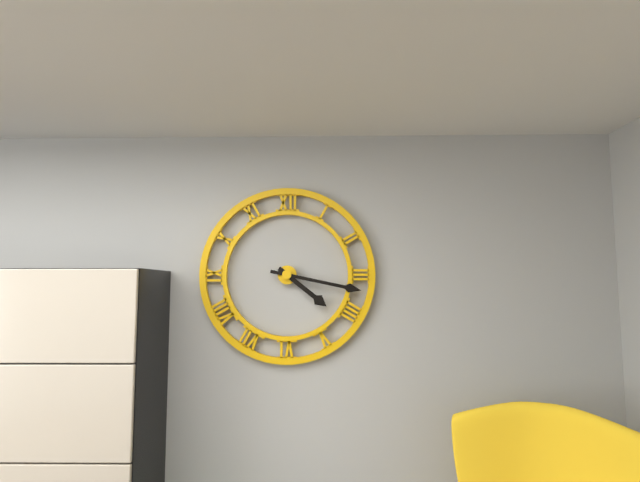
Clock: 4:17
